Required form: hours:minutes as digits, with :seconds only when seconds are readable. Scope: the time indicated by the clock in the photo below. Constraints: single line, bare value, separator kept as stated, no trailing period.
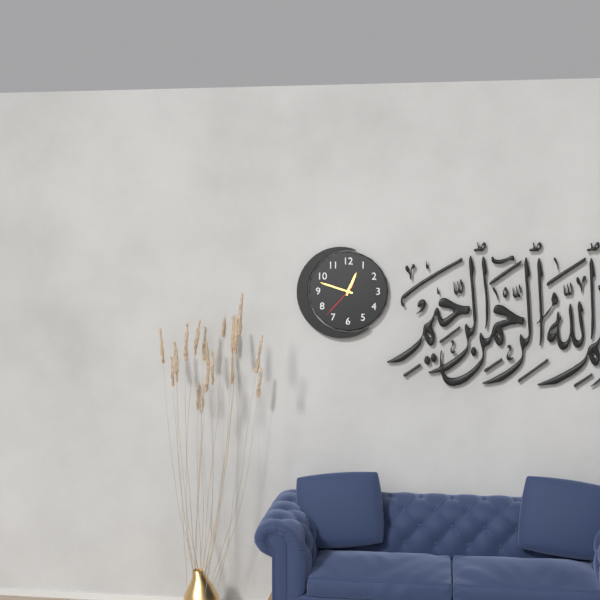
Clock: 12:48
